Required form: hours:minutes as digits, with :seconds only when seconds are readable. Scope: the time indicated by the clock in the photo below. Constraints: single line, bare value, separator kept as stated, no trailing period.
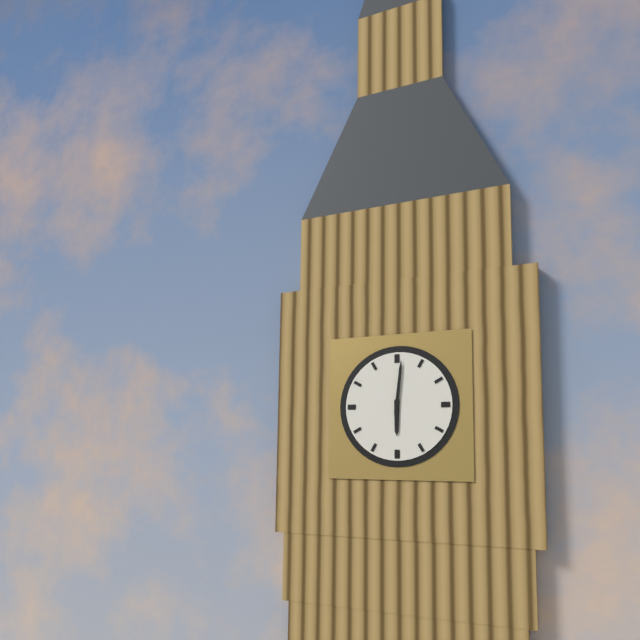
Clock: 6:01
